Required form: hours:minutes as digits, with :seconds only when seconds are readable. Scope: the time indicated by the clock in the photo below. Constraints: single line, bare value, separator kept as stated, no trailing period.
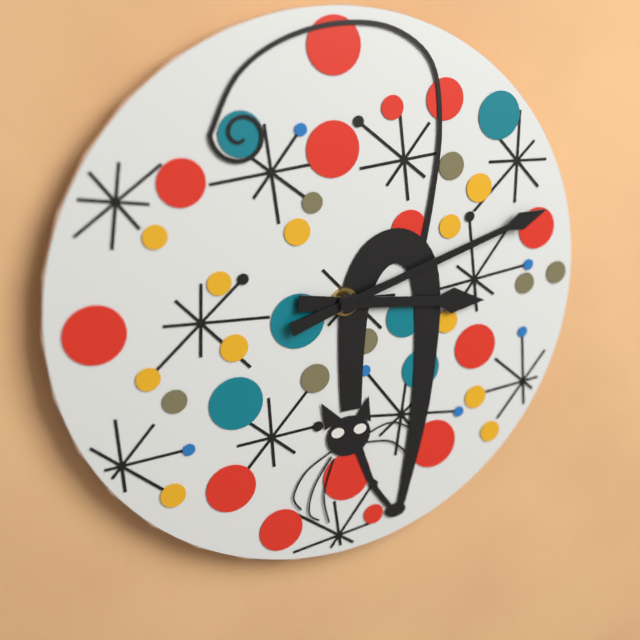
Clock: 3:12
